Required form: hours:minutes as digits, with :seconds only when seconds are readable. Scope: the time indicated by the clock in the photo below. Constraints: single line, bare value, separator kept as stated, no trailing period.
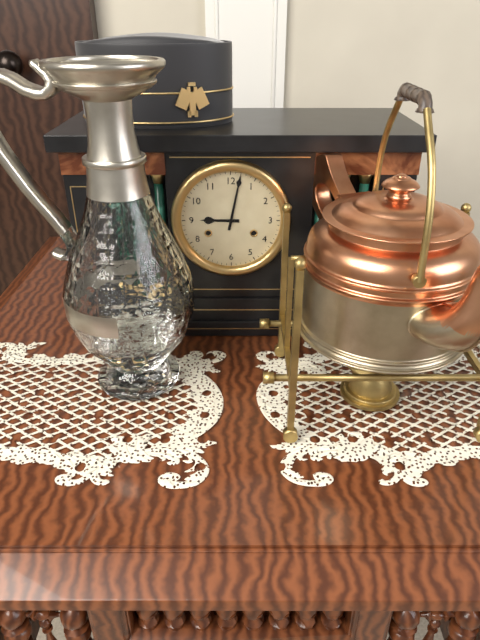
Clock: 9:02
